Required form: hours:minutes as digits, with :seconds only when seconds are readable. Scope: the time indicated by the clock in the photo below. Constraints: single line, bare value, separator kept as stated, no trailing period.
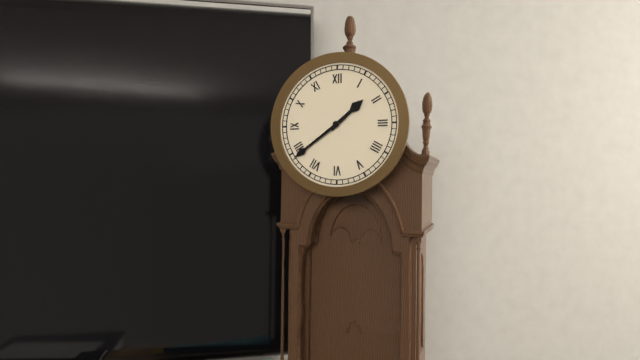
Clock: 1:39
